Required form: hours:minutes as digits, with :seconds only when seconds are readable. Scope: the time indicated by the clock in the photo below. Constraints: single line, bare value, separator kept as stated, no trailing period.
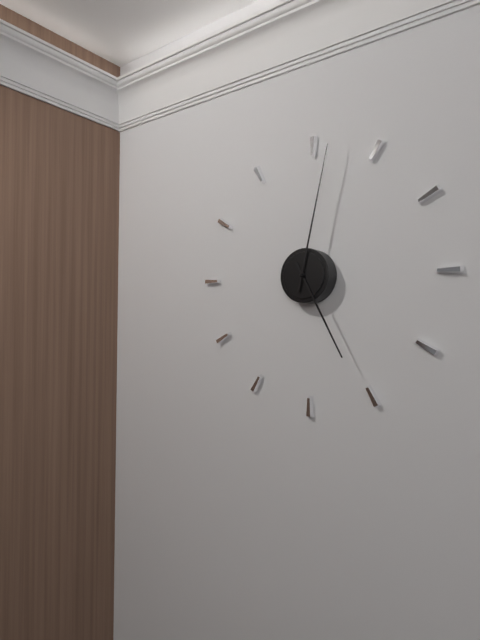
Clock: 5:02
